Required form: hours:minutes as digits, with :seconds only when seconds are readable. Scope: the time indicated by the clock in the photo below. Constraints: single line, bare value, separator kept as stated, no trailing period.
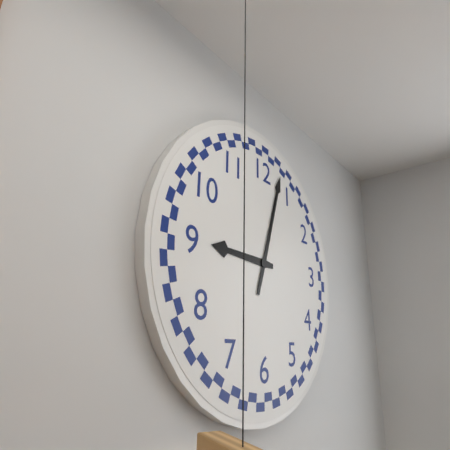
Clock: 9:03
